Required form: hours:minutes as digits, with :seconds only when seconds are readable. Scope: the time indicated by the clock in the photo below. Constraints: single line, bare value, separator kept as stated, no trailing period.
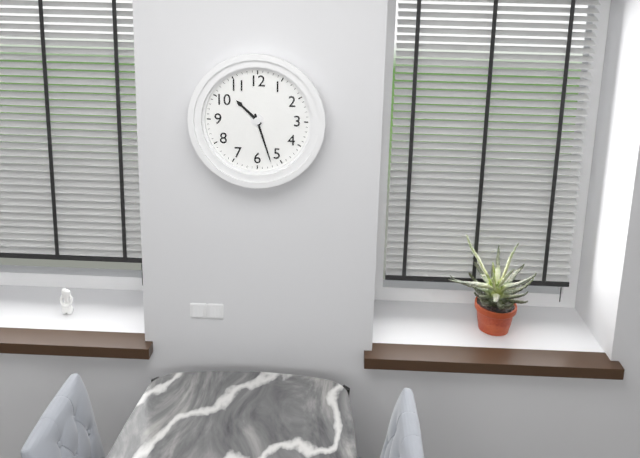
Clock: 10:27
